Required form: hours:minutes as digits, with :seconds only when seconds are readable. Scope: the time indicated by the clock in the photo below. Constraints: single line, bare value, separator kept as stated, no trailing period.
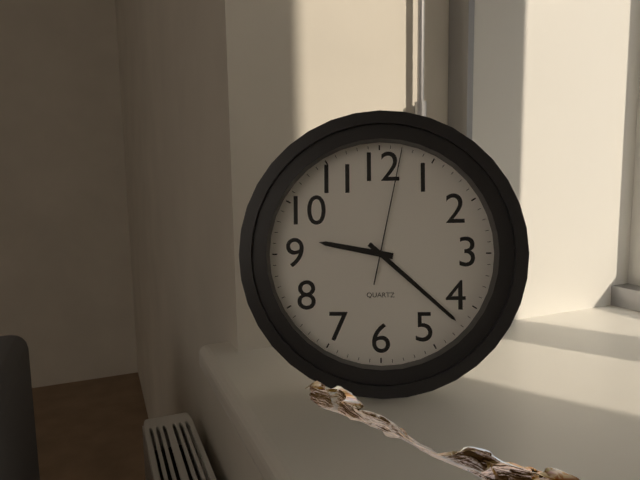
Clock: 9:22:02
